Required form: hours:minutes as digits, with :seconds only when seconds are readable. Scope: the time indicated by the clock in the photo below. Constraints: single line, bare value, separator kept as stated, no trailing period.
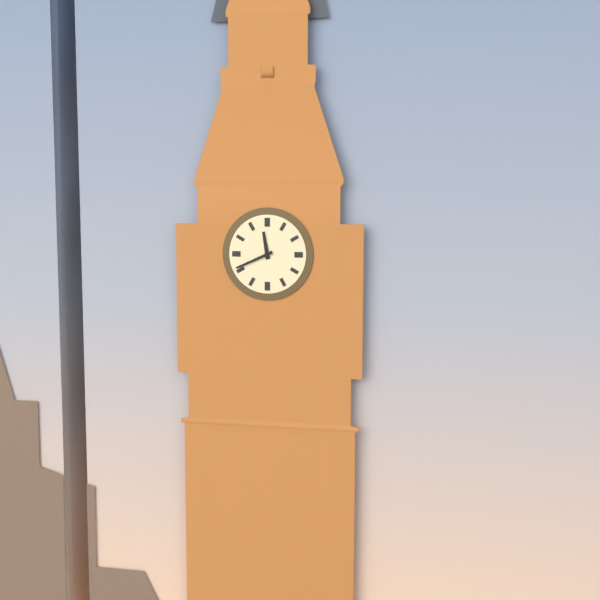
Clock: 11:41
